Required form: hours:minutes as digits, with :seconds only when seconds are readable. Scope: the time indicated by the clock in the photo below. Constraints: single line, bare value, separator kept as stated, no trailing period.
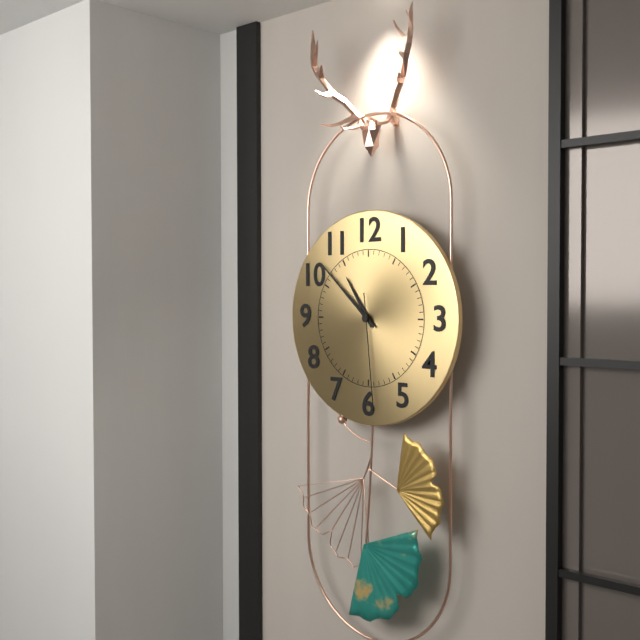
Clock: 10:52:29
